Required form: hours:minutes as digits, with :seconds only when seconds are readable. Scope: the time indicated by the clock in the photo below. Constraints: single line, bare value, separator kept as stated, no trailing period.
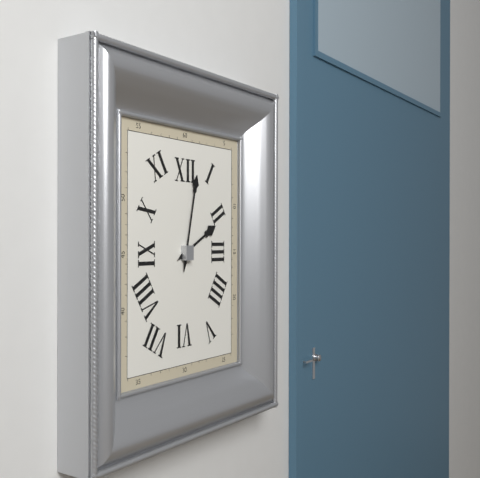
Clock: 2:02
